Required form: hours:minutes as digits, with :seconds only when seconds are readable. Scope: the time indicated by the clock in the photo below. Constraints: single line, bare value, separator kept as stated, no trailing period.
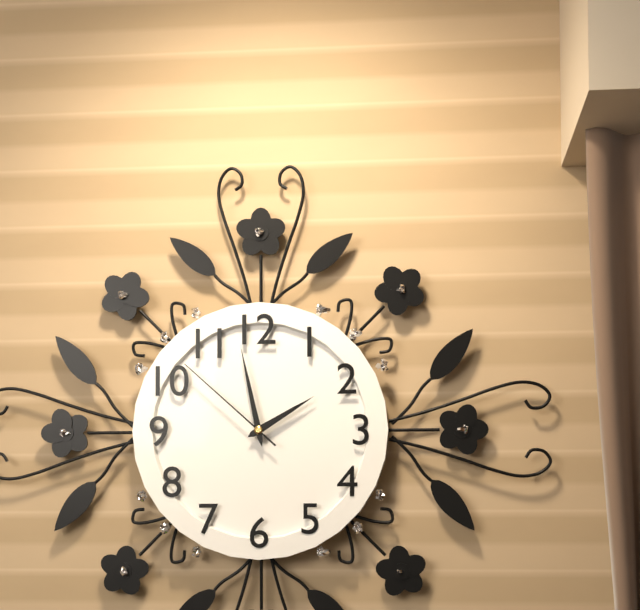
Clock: 1:58:52
